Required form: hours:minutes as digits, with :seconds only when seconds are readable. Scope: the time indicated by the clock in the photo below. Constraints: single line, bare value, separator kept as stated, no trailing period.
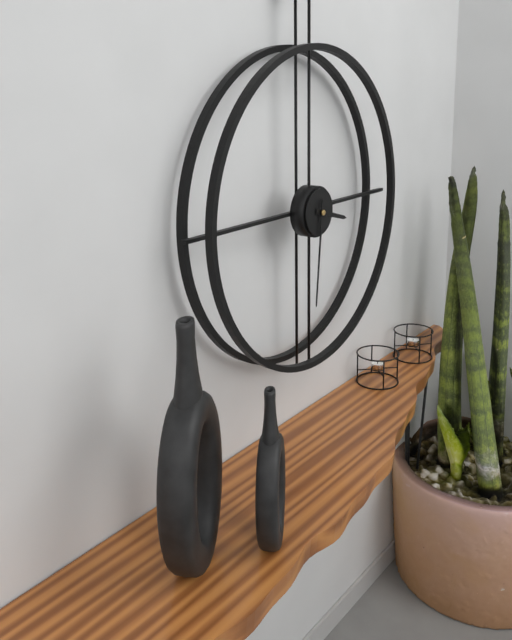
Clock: 3:31
